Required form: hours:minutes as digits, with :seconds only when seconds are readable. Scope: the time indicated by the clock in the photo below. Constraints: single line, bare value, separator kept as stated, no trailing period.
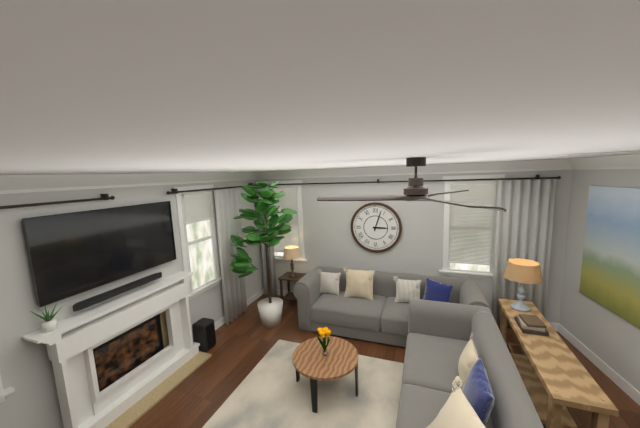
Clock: 3:03
